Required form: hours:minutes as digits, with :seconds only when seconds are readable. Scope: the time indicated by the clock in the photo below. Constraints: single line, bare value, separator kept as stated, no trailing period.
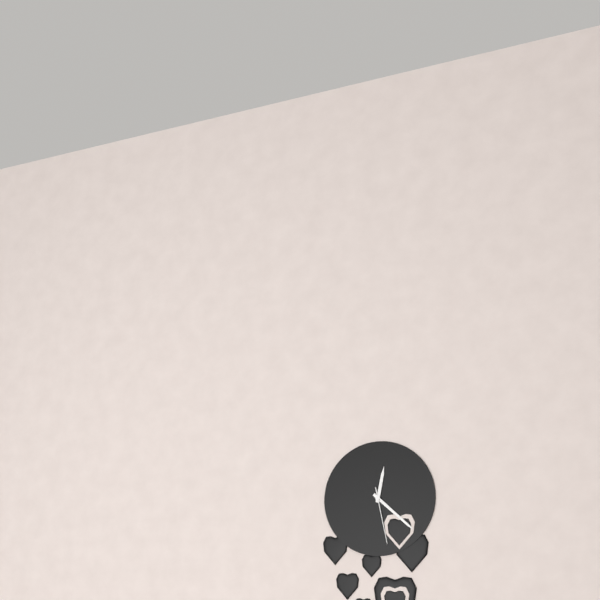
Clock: 12:22:28
